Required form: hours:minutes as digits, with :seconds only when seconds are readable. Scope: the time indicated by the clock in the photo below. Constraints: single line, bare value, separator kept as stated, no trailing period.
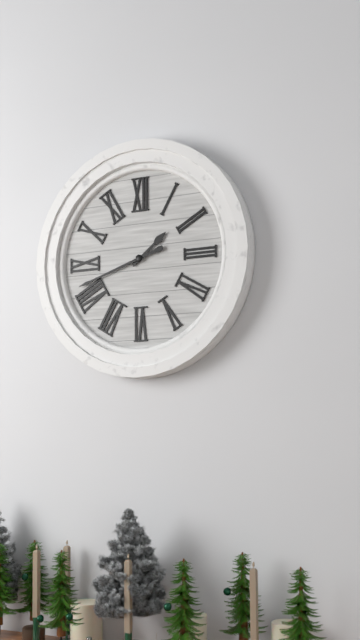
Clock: 1:42
